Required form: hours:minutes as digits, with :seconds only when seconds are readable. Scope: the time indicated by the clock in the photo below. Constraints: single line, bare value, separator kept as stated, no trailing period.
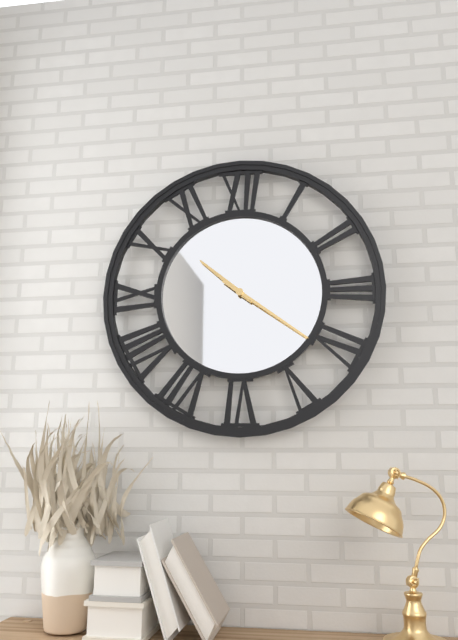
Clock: 10:21
